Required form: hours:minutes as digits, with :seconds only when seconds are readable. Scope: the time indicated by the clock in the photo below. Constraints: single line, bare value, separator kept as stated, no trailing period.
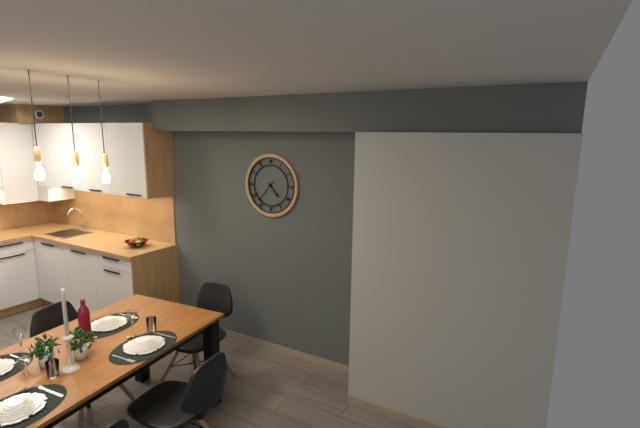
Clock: 4:37
